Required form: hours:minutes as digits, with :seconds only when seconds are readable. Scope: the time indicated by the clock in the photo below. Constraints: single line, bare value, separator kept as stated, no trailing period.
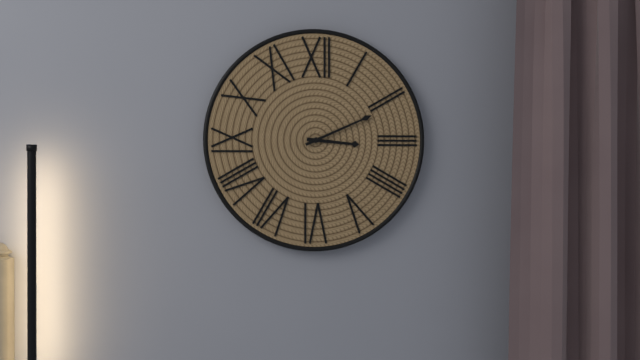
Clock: 3:11
